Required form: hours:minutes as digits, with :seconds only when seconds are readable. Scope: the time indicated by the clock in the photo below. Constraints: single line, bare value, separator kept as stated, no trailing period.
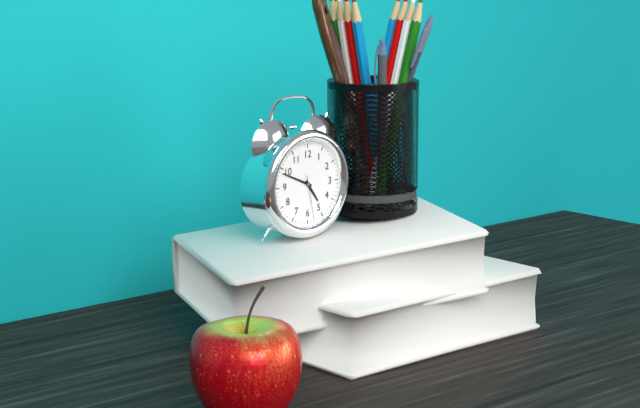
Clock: 4:49
